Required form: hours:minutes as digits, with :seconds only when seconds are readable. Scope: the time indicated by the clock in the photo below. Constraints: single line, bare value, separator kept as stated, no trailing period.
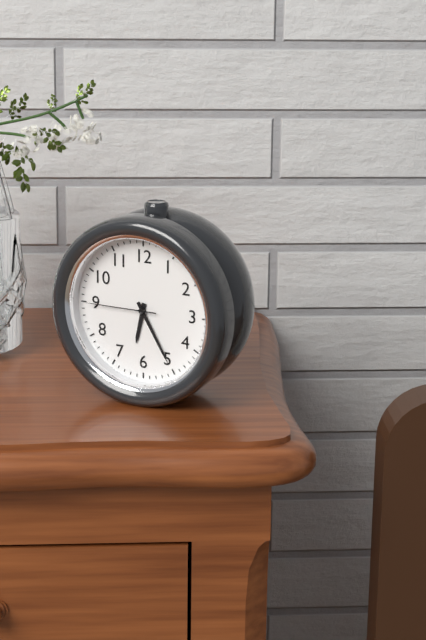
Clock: 6:25:45
